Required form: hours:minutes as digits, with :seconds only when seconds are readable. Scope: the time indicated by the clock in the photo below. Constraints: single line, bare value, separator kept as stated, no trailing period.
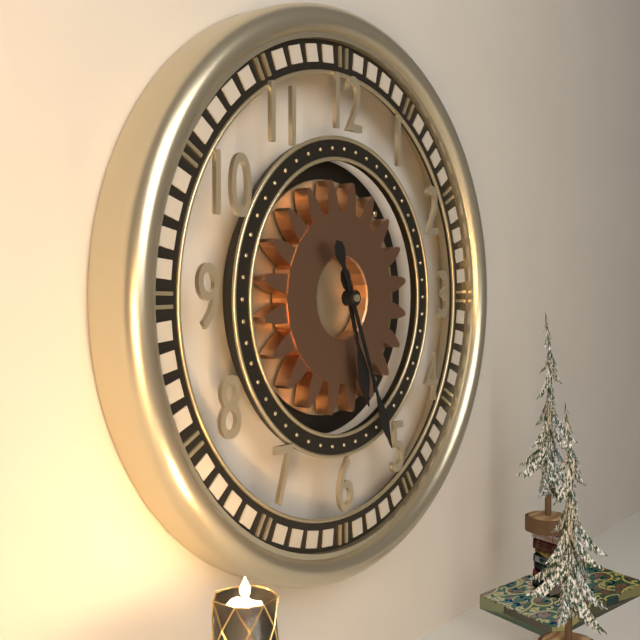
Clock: 5:26
